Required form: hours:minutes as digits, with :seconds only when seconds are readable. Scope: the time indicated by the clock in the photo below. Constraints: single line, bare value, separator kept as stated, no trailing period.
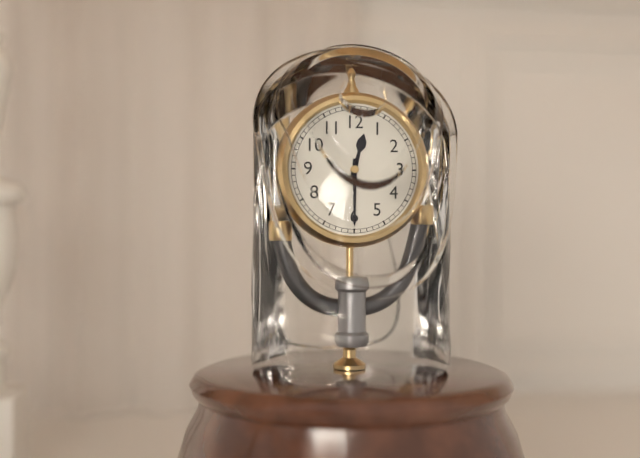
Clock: 12:30
